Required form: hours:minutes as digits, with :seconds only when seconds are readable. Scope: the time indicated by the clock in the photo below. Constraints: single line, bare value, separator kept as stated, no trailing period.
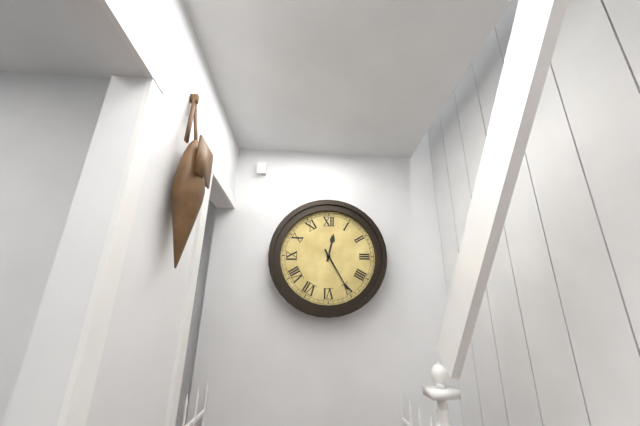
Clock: 12:25
